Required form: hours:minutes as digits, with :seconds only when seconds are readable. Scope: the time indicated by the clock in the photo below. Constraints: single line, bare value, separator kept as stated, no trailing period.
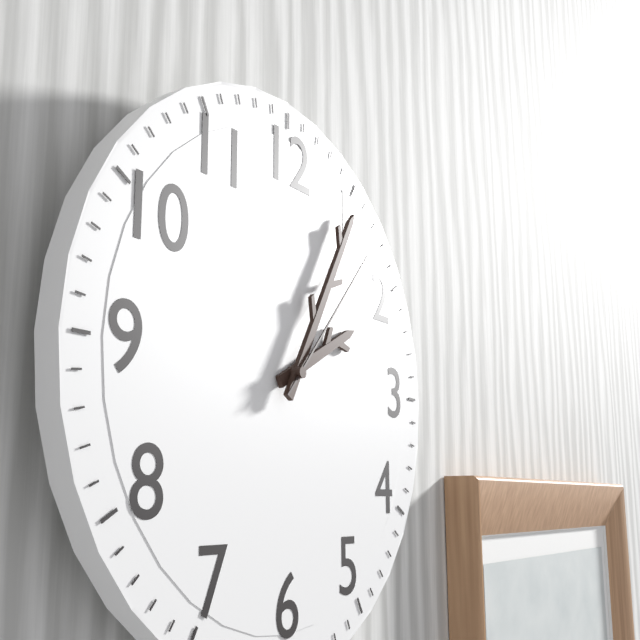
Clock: 2:05:07
